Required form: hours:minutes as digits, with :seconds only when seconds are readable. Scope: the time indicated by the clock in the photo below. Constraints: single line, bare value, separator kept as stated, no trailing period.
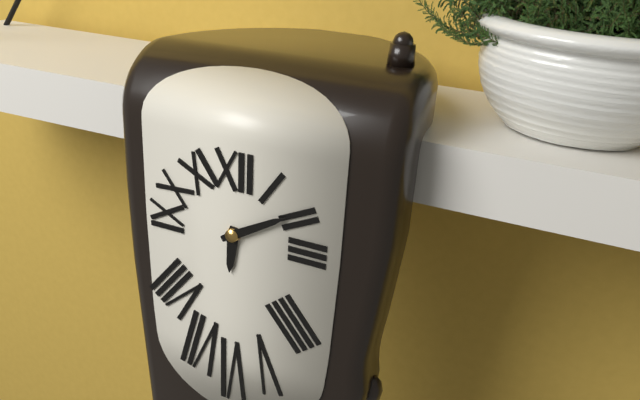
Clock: 6:10
